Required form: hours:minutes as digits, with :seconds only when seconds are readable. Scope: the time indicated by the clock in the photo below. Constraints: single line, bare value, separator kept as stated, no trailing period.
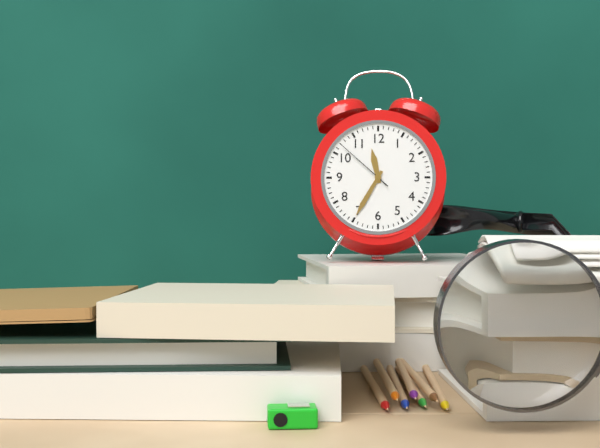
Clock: 11:35:52
